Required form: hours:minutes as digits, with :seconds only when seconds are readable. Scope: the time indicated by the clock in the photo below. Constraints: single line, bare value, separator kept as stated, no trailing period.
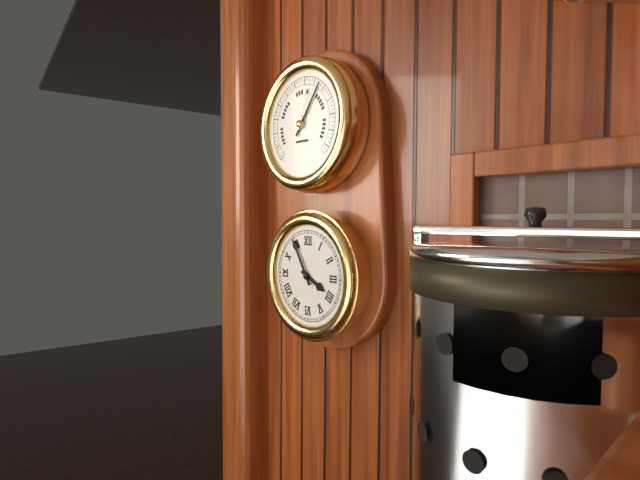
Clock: 3:55
